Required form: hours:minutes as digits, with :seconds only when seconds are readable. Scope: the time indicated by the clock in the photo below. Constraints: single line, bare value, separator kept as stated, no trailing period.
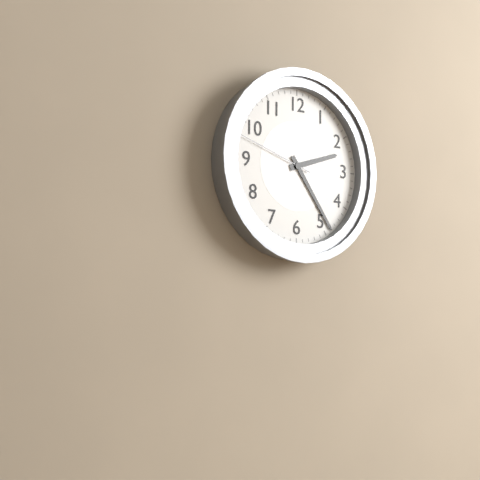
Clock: 2:24:48
